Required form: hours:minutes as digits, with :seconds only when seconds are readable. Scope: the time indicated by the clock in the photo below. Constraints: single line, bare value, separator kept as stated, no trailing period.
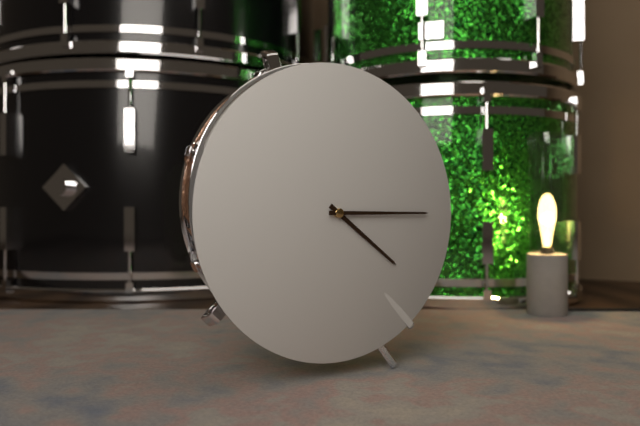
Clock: 4:15
